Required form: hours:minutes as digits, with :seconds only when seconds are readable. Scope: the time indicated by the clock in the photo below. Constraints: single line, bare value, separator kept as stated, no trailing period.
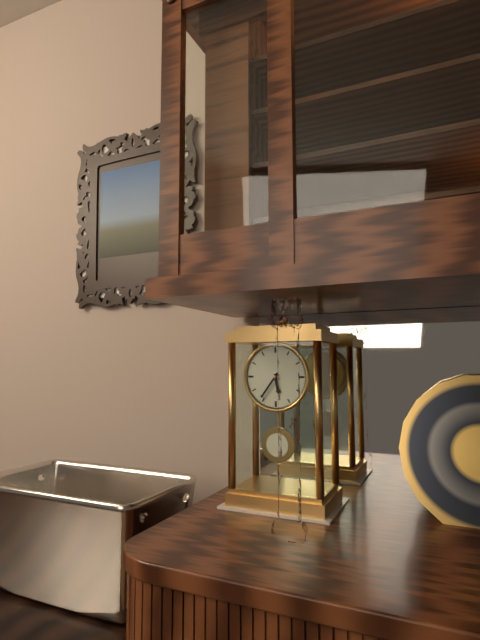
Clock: 5:36
